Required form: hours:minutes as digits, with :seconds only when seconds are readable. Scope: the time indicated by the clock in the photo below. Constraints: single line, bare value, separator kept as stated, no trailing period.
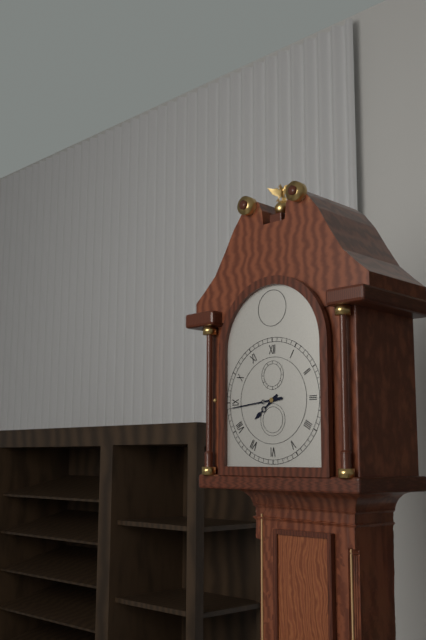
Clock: 7:44
